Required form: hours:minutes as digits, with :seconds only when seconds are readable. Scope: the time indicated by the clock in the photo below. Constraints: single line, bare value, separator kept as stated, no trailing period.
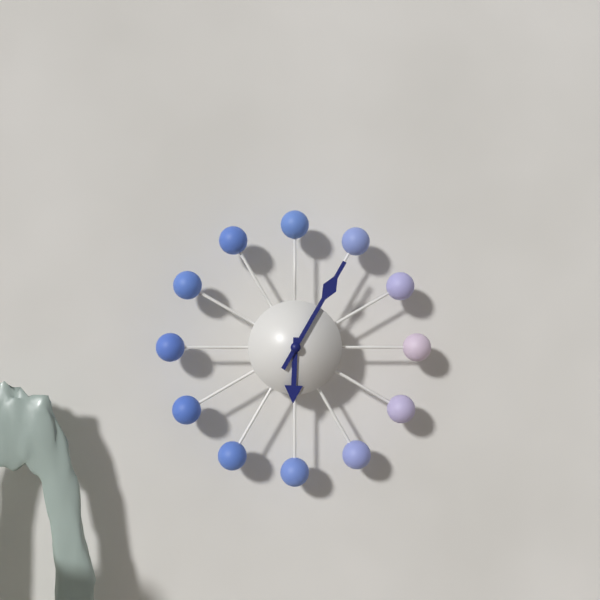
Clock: 6:05
